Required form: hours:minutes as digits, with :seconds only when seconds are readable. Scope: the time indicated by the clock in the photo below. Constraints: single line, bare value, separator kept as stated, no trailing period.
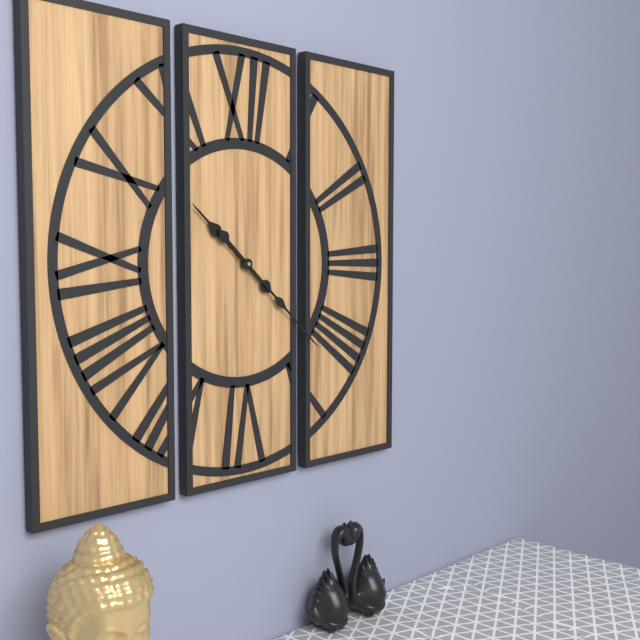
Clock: 10:22
